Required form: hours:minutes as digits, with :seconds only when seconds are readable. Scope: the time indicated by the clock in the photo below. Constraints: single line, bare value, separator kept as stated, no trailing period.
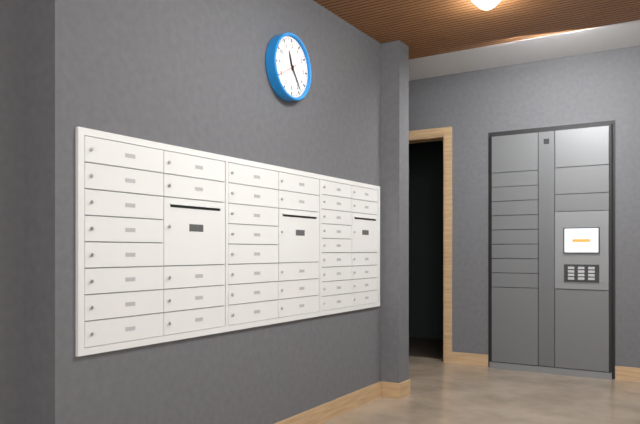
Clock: 11:24
